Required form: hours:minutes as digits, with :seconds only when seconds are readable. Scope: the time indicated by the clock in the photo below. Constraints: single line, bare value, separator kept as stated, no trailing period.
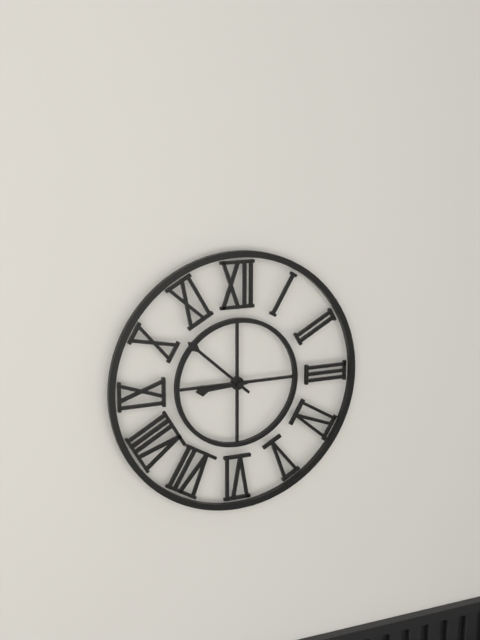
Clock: 8:52
